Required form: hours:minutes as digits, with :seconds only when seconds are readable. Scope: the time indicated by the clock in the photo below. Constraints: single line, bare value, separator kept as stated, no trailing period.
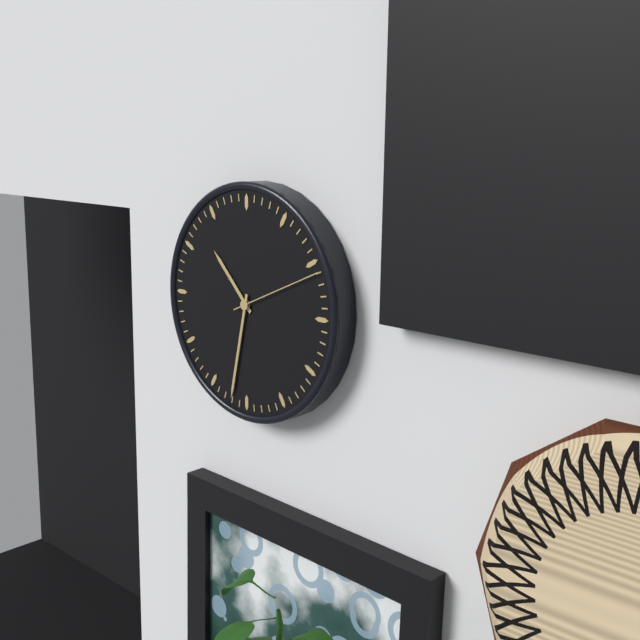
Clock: 10:32:11
